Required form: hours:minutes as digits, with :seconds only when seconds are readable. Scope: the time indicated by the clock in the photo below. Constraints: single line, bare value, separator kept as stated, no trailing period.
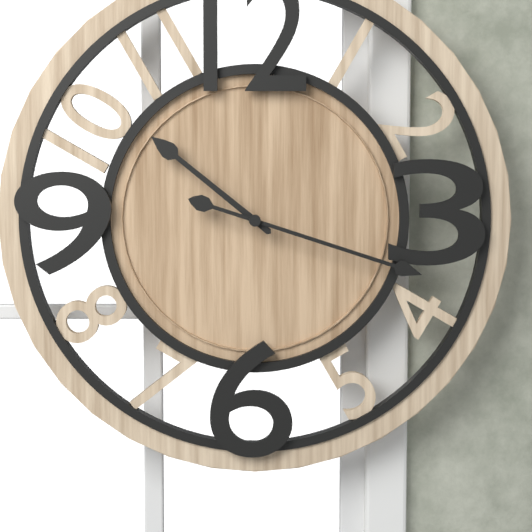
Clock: 10:18
